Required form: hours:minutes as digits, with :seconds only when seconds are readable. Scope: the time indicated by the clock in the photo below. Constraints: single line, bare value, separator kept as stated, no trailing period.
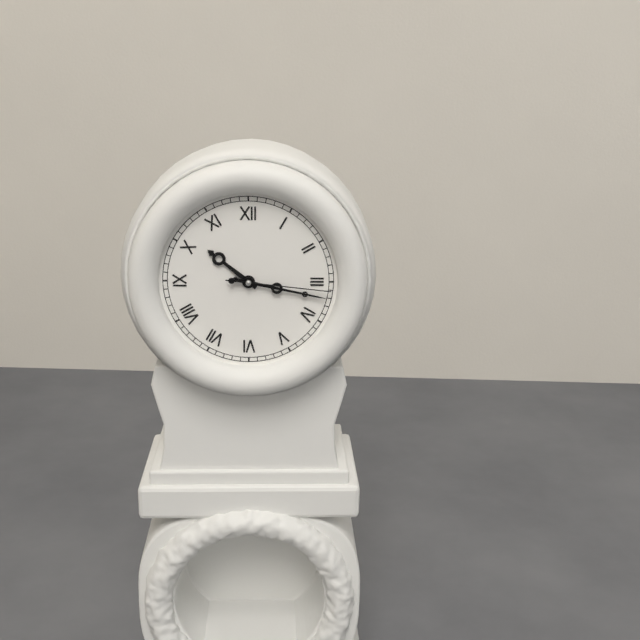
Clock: 10:17:16
